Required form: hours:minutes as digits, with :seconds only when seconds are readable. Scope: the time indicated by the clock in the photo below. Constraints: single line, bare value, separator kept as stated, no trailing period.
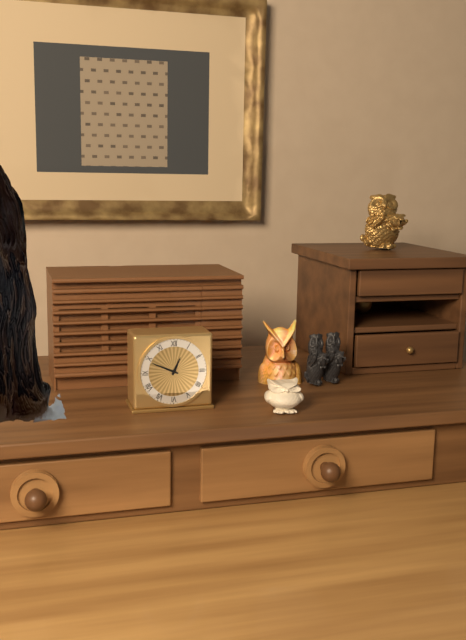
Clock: 12:49
